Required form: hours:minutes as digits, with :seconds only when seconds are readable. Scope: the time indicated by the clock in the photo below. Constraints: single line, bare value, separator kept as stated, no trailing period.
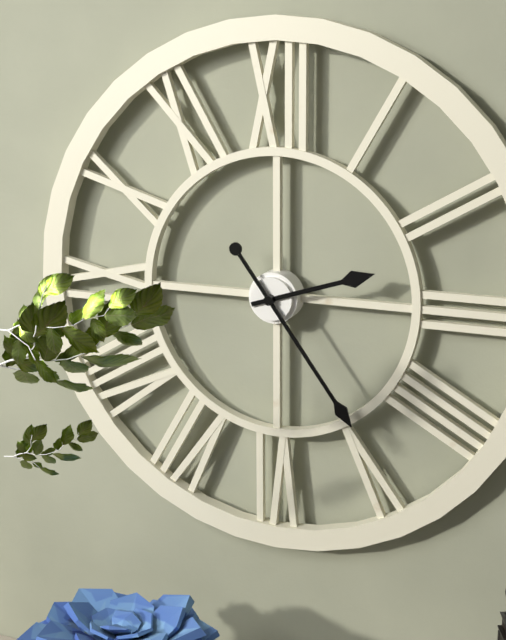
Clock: 2:24
